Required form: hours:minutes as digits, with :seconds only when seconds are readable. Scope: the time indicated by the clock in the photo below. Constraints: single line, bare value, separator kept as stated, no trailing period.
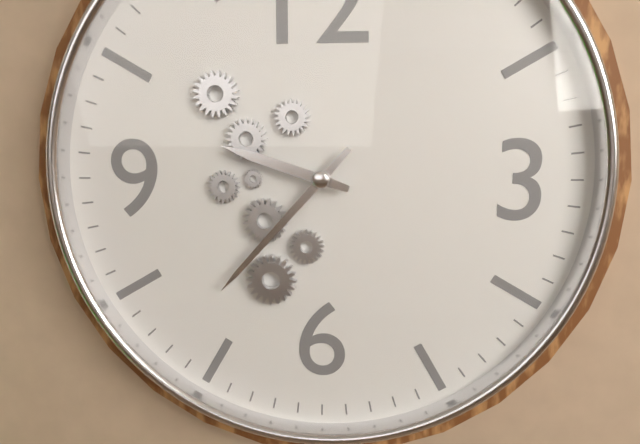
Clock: 9:37
